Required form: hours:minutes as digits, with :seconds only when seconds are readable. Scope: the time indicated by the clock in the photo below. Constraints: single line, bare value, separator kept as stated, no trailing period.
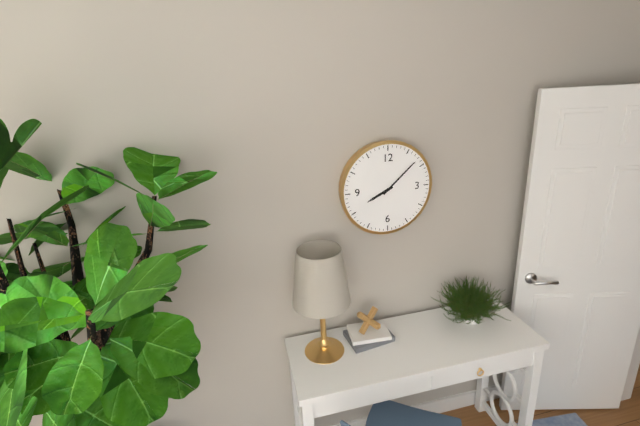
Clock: 8:08
